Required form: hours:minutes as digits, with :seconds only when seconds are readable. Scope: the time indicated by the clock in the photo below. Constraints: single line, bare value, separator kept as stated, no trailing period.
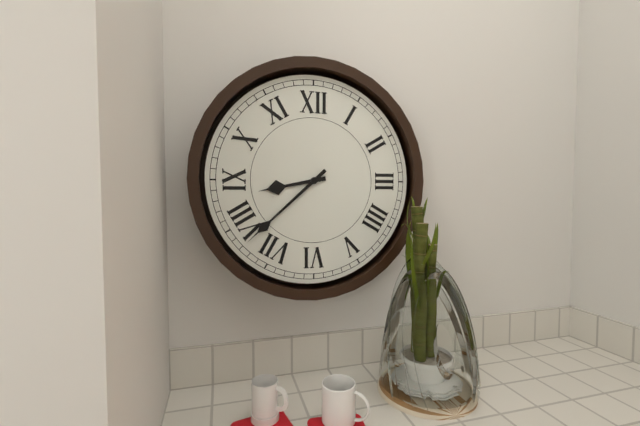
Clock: 8:38
